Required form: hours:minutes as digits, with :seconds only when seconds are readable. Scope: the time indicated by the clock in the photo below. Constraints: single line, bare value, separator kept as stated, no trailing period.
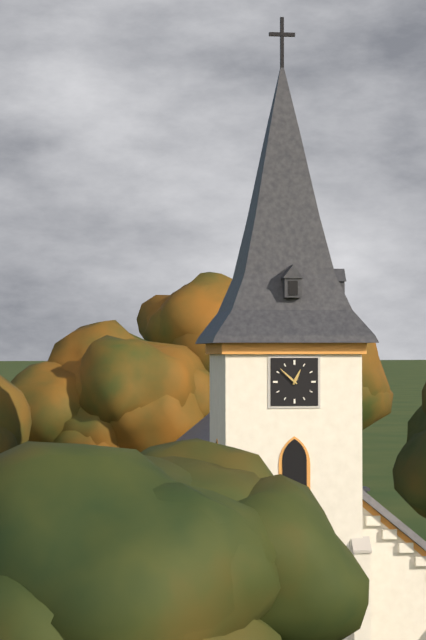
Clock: 12:52
